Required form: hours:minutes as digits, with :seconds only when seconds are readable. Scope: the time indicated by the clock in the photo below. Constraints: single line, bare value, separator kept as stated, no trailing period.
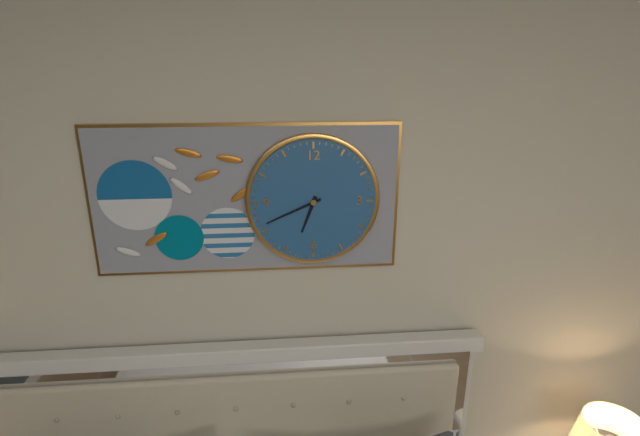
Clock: 6:41
